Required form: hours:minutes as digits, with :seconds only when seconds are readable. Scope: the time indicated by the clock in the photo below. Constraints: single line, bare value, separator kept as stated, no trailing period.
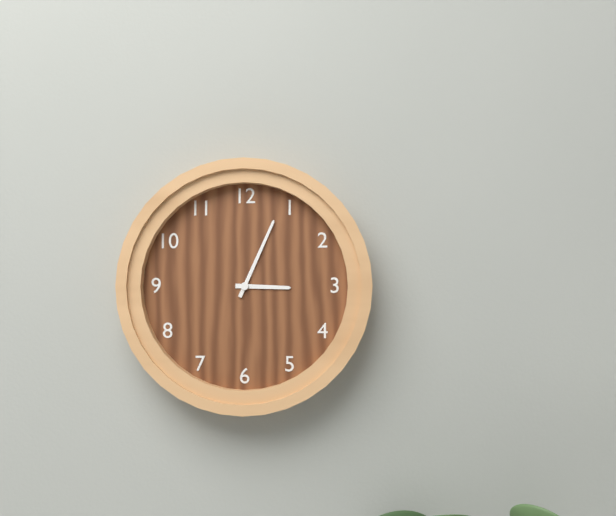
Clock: 3:04
